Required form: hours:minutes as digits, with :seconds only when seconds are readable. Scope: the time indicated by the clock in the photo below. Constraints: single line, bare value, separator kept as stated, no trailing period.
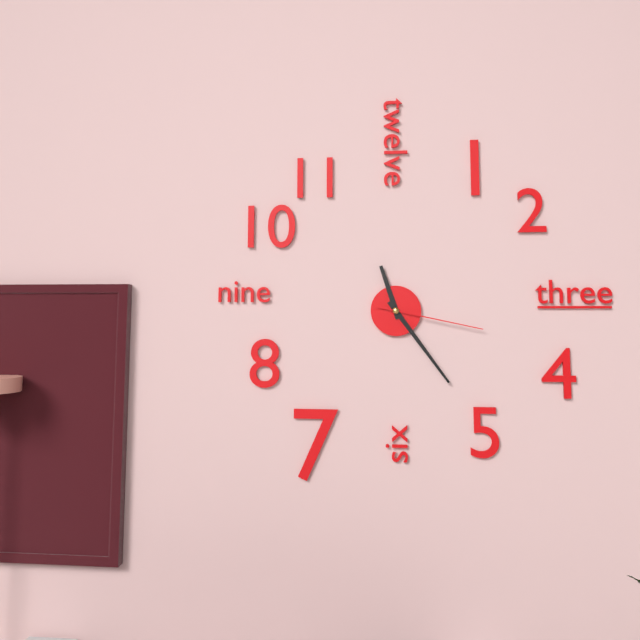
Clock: 11:24:17
